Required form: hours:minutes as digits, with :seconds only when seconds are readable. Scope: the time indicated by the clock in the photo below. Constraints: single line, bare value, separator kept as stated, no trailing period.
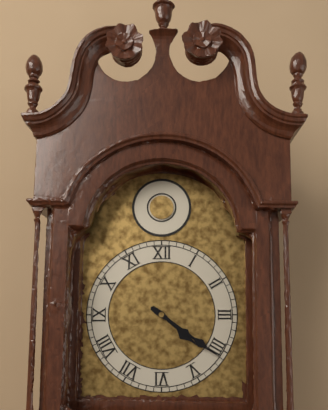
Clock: 4:21
